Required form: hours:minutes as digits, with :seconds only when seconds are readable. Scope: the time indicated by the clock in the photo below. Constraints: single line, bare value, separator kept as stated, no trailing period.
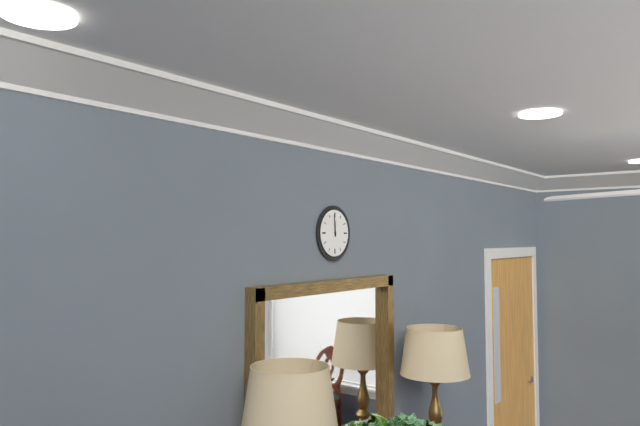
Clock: 11:59
